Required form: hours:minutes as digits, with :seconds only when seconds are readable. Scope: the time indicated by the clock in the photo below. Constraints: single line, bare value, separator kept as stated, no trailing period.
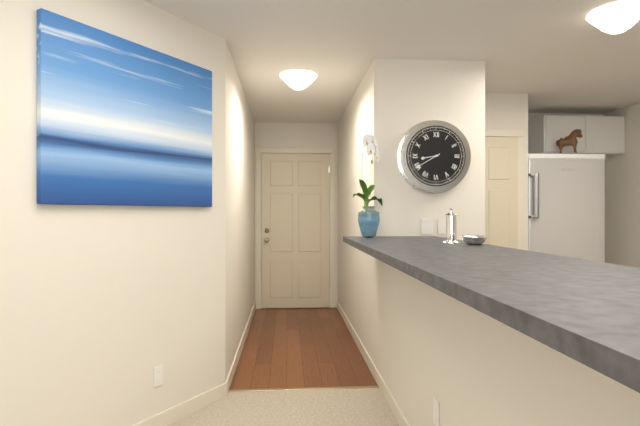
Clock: 8:40
